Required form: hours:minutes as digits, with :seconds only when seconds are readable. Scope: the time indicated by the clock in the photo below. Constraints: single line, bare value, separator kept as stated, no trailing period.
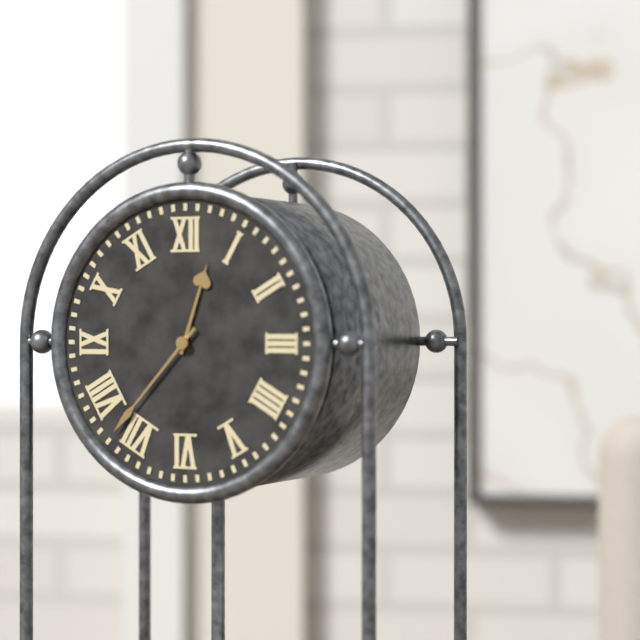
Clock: 12:37
